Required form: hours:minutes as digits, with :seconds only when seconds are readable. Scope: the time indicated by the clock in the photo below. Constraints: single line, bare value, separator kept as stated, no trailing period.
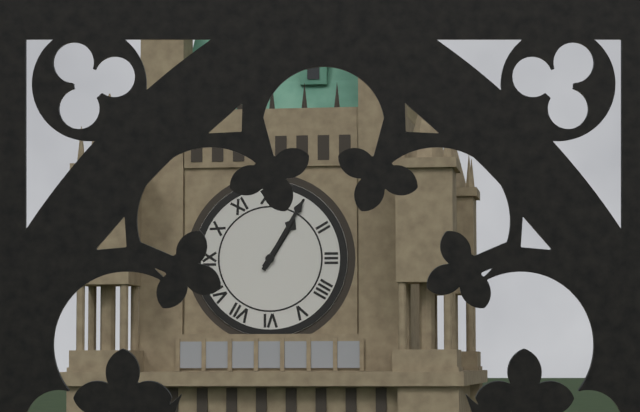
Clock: 1:05
